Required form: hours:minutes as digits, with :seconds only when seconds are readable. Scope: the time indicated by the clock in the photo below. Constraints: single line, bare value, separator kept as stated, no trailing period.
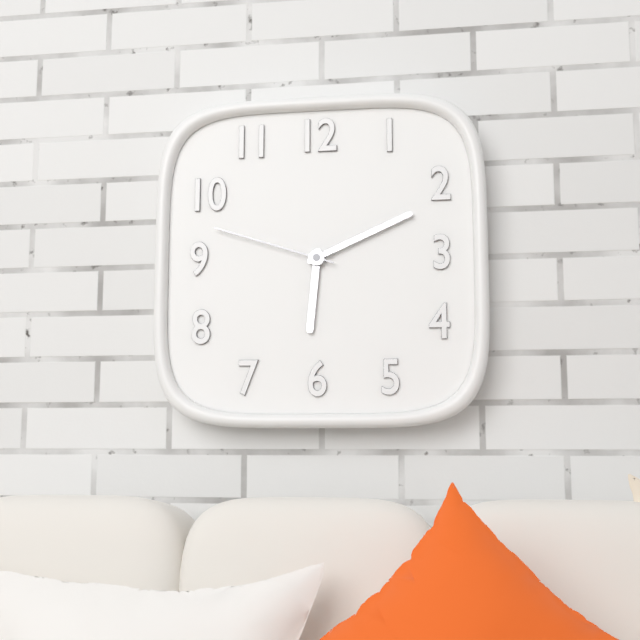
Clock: 6:11:48
